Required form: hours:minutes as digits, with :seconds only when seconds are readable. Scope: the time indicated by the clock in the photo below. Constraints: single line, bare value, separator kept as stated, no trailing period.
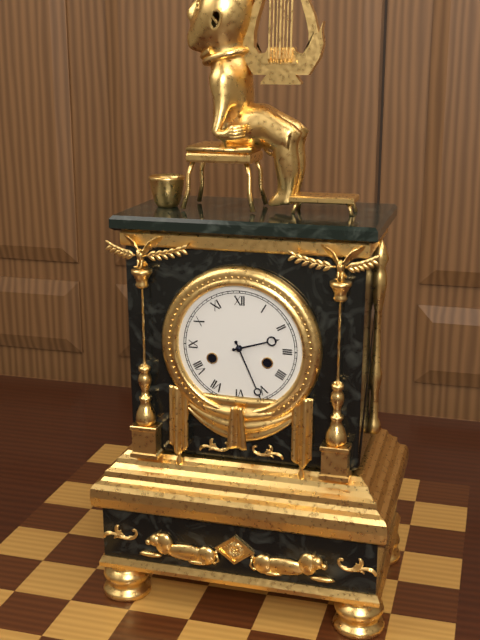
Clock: 2:26
